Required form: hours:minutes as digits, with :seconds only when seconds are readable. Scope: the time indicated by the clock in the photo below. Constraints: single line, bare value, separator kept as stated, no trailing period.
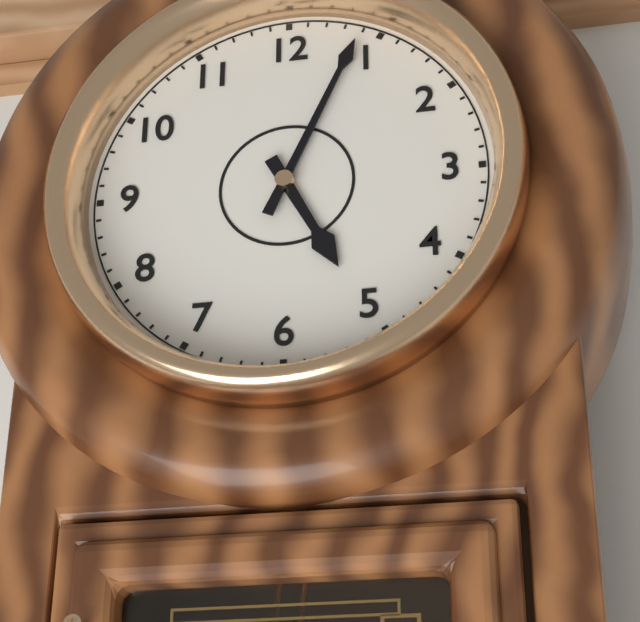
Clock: 5:04
